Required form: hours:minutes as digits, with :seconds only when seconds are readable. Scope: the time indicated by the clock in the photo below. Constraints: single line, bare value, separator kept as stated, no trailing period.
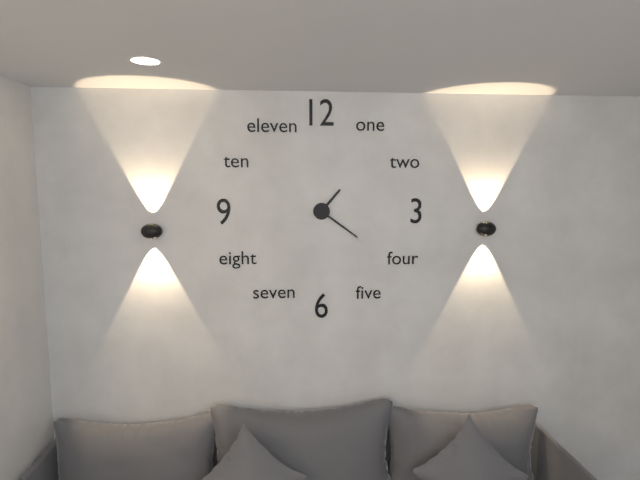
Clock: 1:21
